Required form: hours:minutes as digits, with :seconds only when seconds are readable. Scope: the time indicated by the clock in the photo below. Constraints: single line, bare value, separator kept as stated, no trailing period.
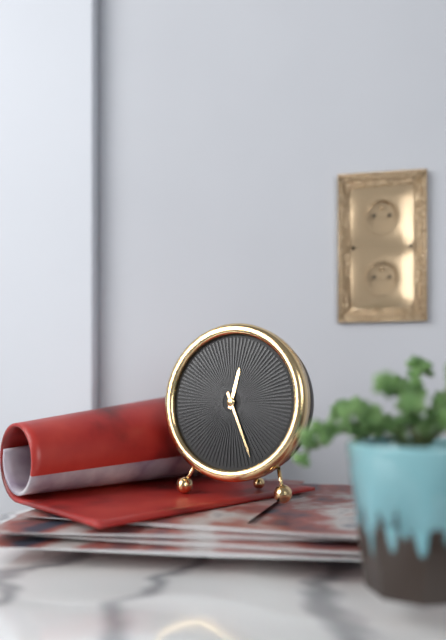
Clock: 12:26
